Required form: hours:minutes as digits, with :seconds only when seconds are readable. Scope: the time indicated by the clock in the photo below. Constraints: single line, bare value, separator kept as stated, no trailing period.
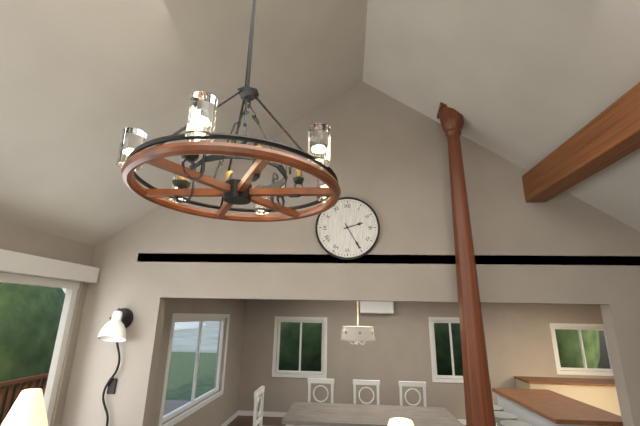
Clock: 2:25
